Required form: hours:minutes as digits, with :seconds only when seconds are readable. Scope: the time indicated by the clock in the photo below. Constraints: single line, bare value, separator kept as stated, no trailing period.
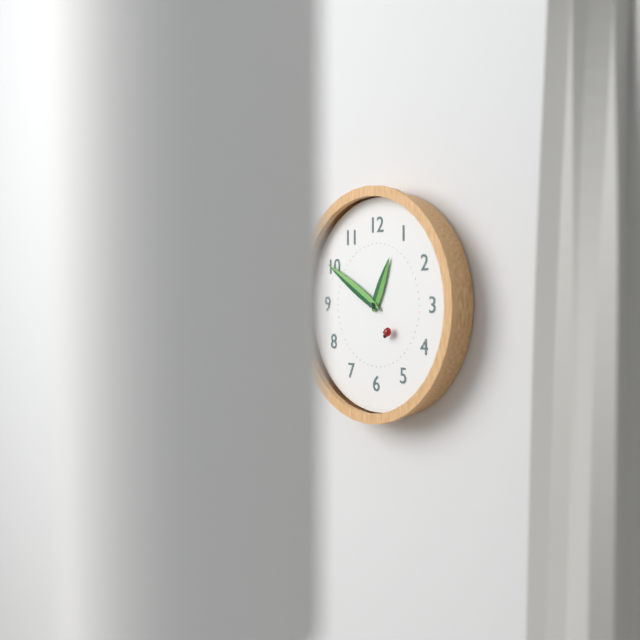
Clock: 12:50
